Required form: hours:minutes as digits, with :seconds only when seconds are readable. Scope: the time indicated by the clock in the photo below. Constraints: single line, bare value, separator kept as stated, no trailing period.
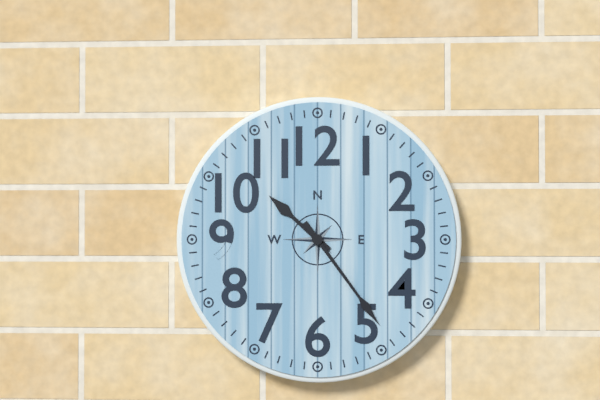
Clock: 10:24
